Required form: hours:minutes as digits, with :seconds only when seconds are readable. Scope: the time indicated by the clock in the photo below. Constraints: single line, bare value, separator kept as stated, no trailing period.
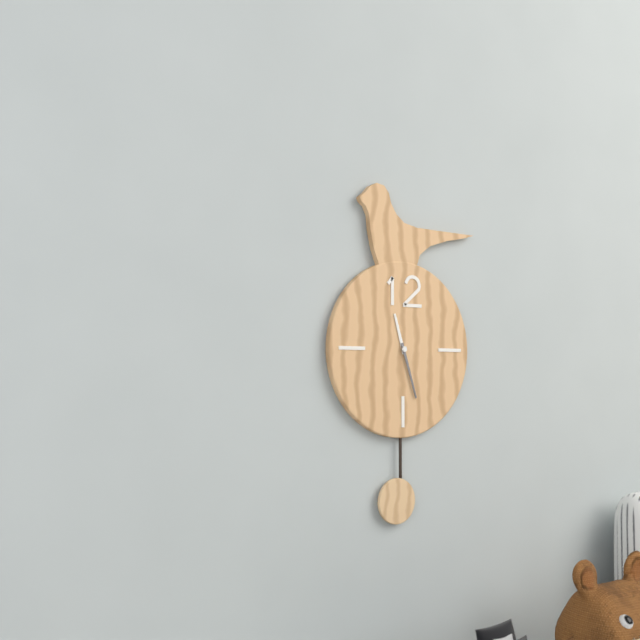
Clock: 11:27
